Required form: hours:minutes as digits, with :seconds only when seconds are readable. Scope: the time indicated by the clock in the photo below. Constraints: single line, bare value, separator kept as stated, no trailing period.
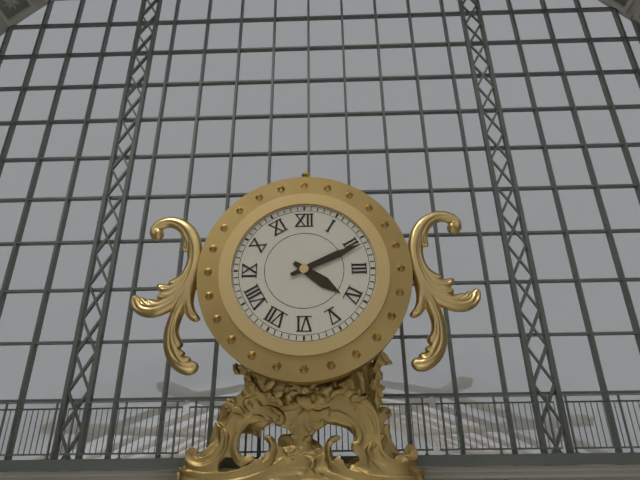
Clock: 4:11
